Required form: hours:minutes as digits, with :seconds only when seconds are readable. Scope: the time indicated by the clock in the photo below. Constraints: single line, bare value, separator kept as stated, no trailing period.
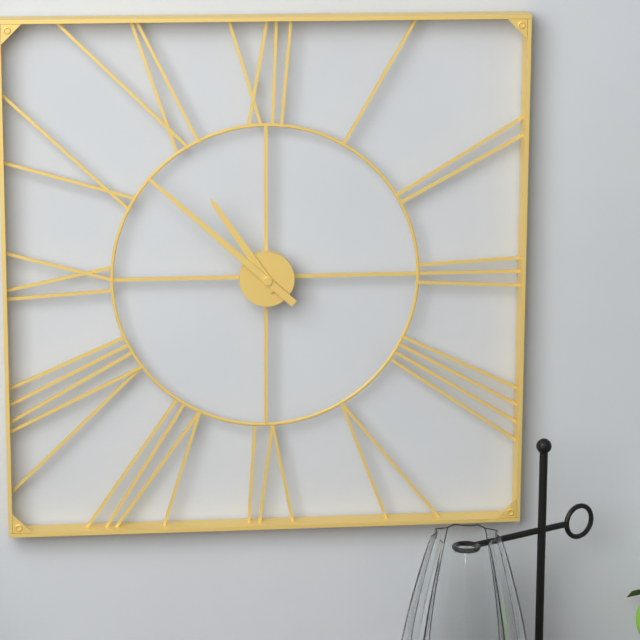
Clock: 10:52
